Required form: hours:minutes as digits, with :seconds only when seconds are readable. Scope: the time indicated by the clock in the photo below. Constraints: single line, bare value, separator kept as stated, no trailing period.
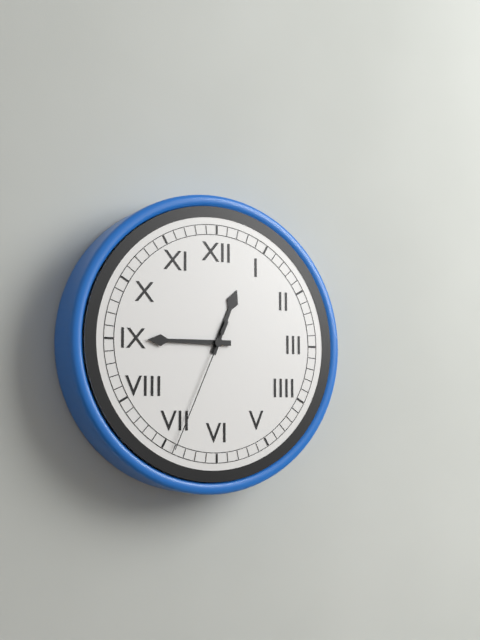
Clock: 12:45:34
